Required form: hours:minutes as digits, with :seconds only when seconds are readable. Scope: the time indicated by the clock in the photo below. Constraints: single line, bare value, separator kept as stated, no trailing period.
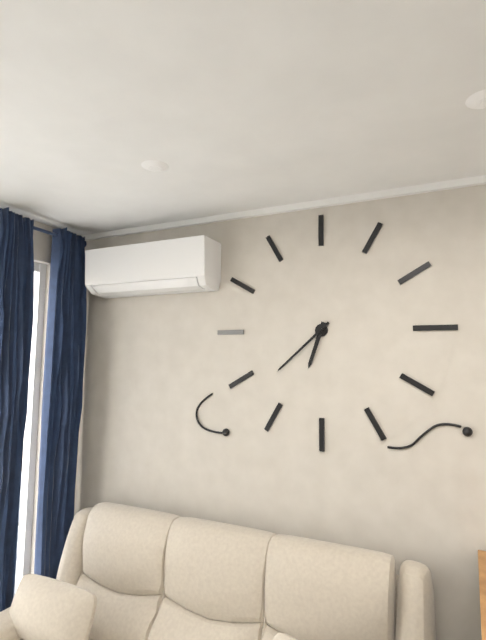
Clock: 6:38
